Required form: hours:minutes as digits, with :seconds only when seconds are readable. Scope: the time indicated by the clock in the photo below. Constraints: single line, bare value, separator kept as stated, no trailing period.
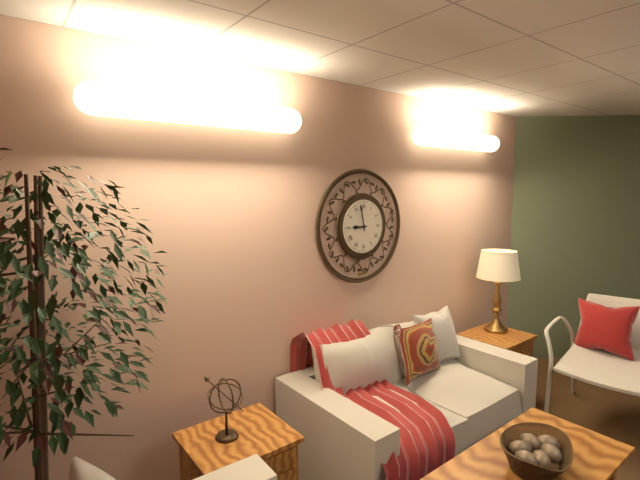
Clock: 8:58
